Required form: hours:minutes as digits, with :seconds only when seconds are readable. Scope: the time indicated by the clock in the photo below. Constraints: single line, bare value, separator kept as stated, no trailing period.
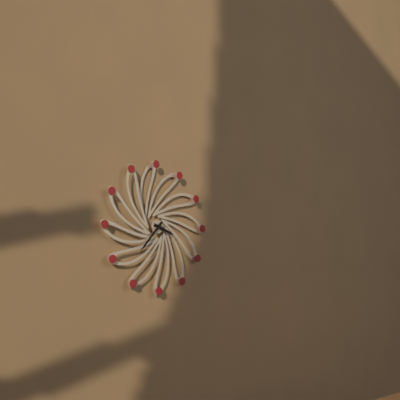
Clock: 3:37
